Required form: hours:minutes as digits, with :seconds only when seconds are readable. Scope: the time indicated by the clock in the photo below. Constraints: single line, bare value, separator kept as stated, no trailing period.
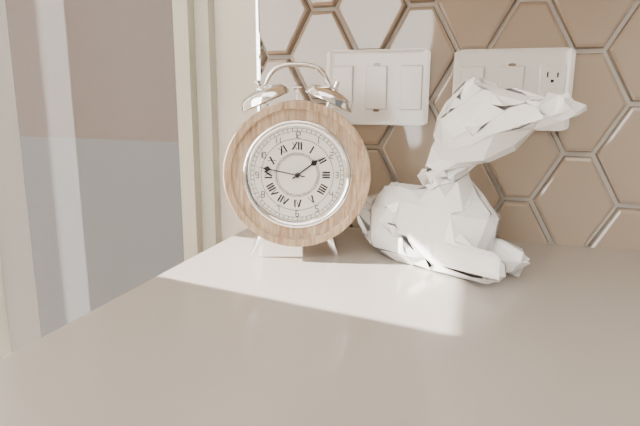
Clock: 1:47
